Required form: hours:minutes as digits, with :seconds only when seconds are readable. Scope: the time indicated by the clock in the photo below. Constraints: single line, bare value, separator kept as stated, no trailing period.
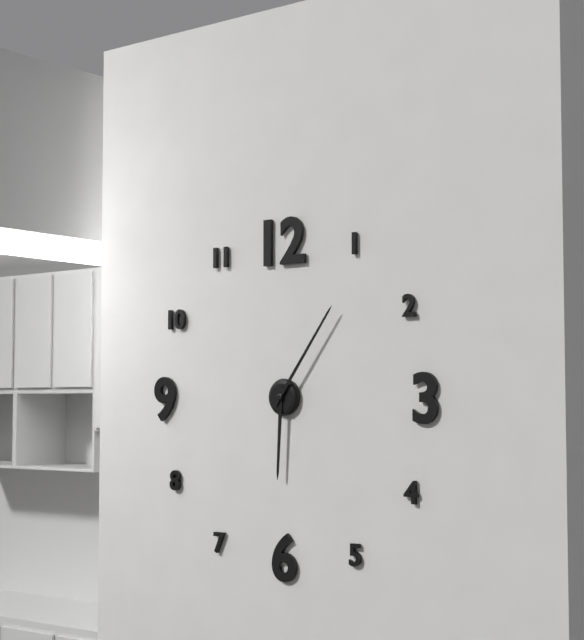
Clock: 6:06
